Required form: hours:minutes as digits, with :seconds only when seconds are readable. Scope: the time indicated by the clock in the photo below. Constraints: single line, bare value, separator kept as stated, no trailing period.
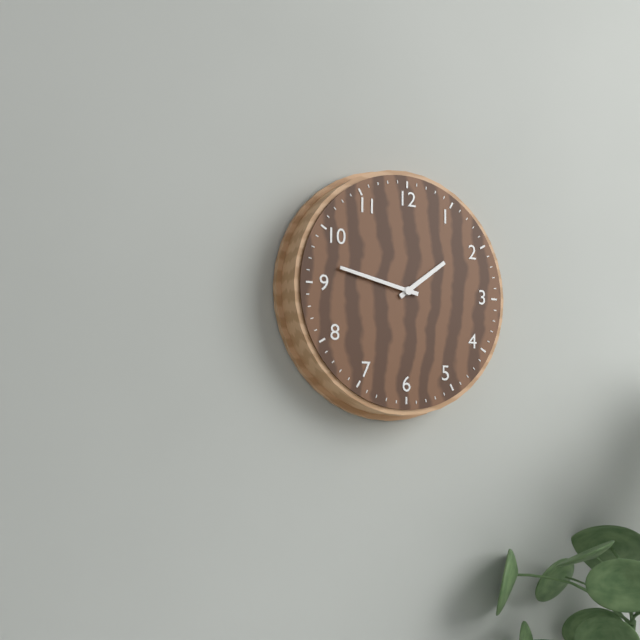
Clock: 1:47
